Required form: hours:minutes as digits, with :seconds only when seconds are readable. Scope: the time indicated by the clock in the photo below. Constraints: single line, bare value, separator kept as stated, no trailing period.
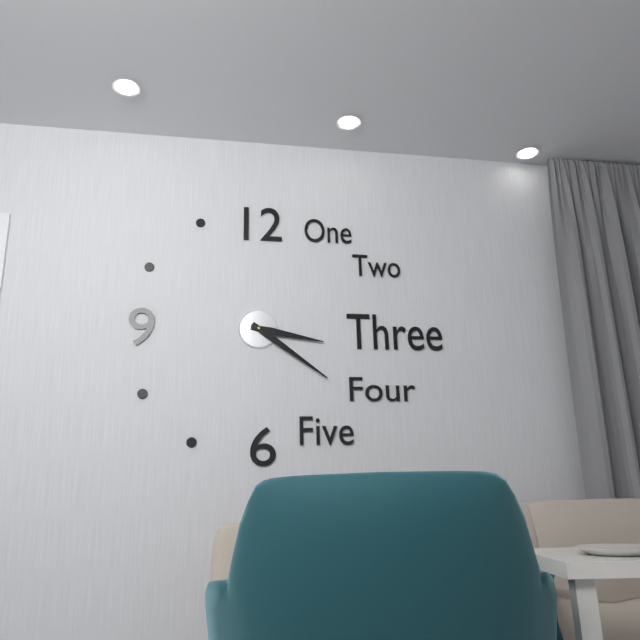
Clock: 3:21
